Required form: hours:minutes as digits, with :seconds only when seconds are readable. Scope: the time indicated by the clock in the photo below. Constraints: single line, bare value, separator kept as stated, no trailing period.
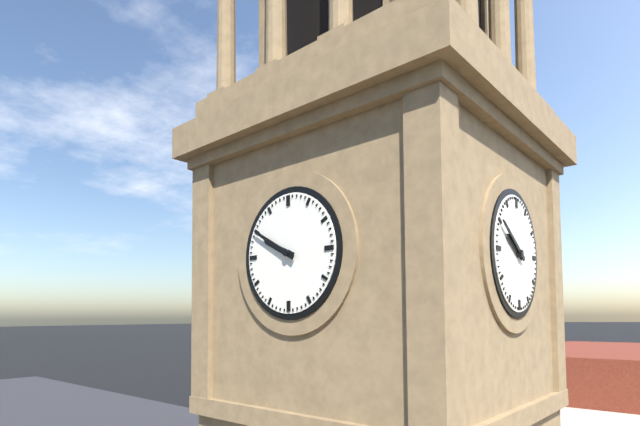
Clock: 9:50
